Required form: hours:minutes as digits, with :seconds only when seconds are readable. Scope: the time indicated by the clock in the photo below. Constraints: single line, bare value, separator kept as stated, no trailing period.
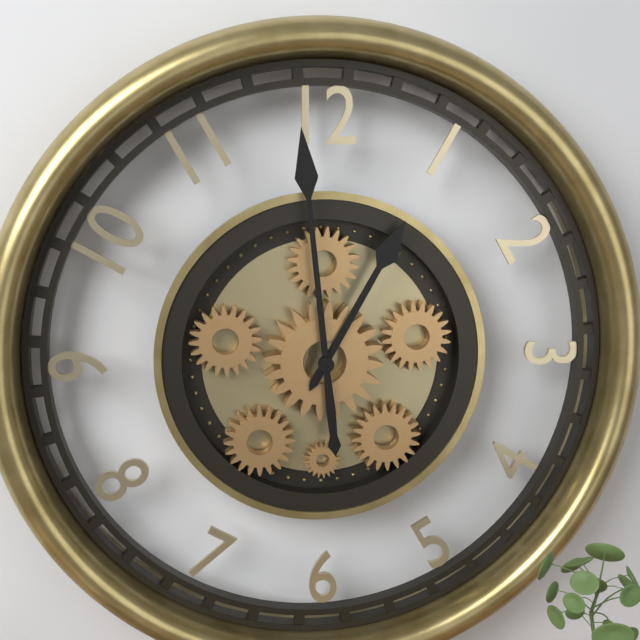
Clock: 12:59
